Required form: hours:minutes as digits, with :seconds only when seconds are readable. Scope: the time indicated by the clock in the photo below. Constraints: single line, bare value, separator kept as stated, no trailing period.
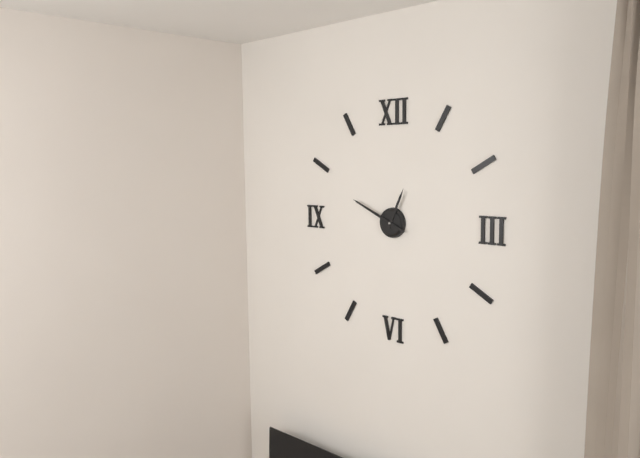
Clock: 12:49
